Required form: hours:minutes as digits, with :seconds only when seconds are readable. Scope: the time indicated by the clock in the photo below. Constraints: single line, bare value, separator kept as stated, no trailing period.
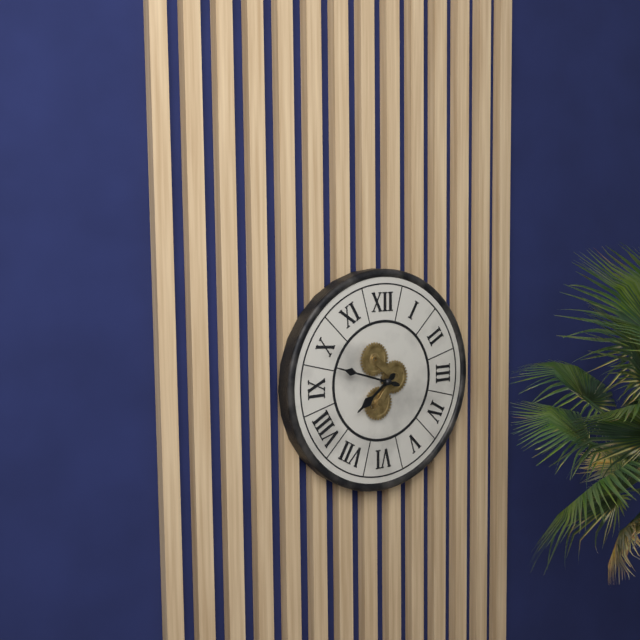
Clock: 7:48
